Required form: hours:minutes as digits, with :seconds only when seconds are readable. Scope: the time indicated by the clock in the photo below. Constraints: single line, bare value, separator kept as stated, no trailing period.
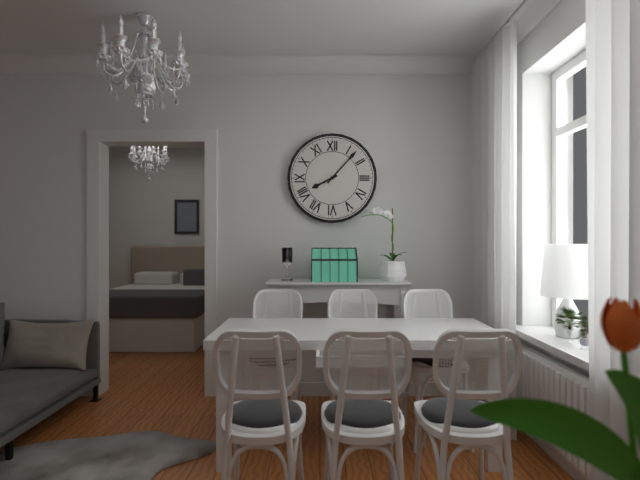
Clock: 8:07
